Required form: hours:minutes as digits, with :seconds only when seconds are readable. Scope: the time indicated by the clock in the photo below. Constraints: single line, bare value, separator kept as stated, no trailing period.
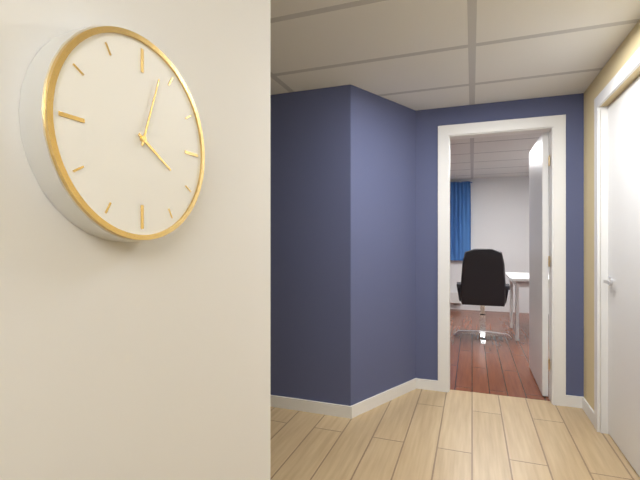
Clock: 4:03
